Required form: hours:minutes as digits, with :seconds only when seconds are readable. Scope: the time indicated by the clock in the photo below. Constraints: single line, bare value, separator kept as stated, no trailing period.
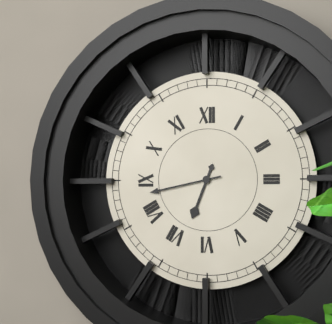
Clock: 6:43
